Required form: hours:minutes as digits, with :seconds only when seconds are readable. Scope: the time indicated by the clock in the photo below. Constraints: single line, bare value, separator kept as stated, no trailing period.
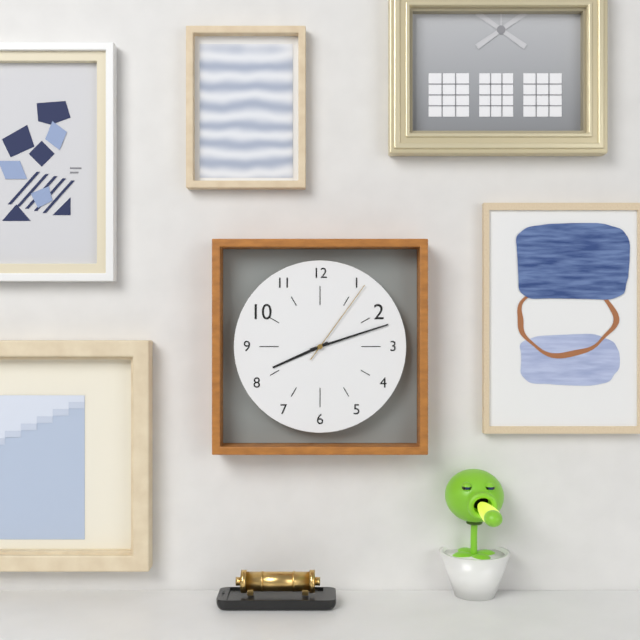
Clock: 8:12:06
